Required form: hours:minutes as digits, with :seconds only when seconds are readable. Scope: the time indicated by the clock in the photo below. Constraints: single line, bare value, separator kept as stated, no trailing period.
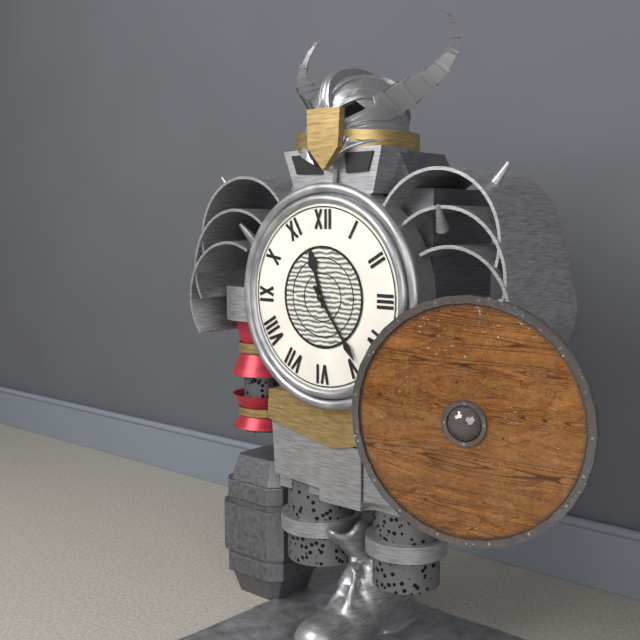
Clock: 11:24
